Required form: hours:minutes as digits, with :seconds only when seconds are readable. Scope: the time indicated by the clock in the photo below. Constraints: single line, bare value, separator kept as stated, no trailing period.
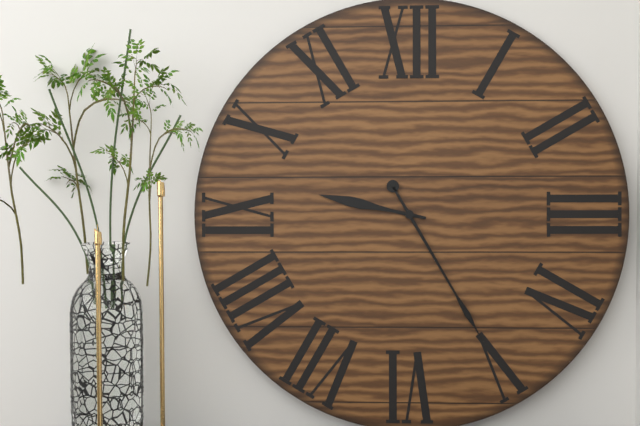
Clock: 9:25
